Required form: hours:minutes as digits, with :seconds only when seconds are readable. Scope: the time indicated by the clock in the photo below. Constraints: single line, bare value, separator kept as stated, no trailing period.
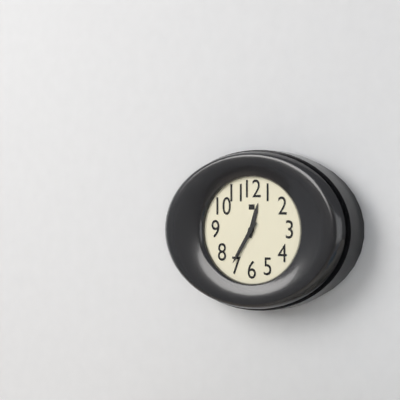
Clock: 12:36
